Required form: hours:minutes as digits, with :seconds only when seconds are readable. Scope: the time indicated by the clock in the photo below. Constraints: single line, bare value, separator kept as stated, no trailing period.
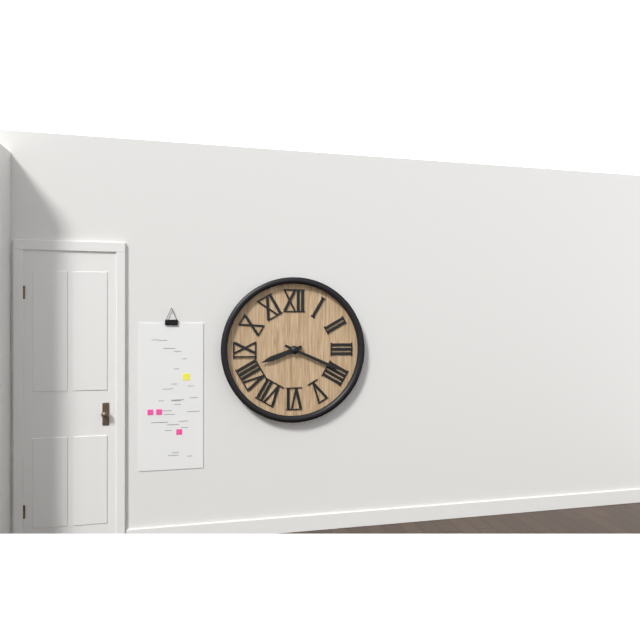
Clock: 8:19
